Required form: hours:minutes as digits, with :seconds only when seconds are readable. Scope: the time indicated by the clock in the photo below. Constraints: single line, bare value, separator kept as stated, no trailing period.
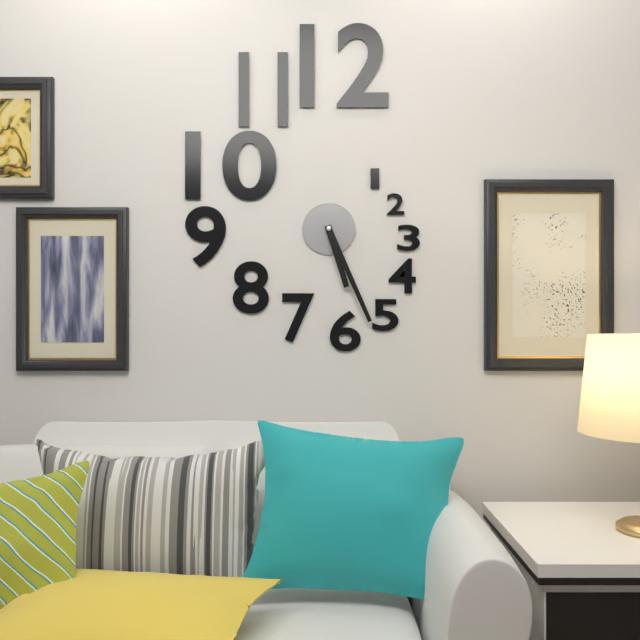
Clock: 5:26
